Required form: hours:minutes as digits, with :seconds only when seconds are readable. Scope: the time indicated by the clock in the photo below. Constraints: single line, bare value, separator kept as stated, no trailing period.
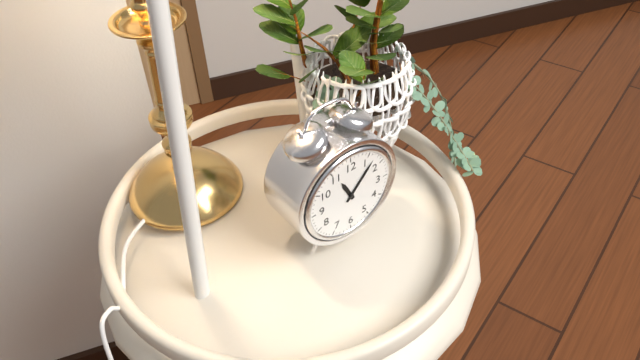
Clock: 11:07
